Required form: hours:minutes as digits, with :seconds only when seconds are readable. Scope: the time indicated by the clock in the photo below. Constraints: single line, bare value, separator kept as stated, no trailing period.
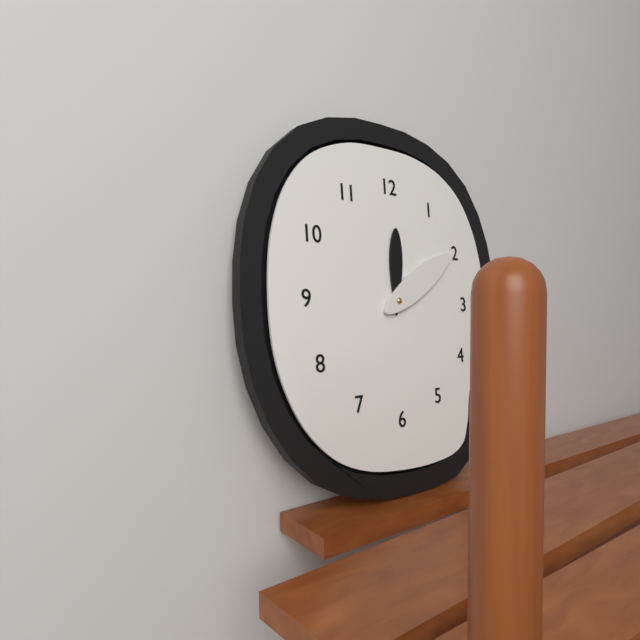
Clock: 12:10
